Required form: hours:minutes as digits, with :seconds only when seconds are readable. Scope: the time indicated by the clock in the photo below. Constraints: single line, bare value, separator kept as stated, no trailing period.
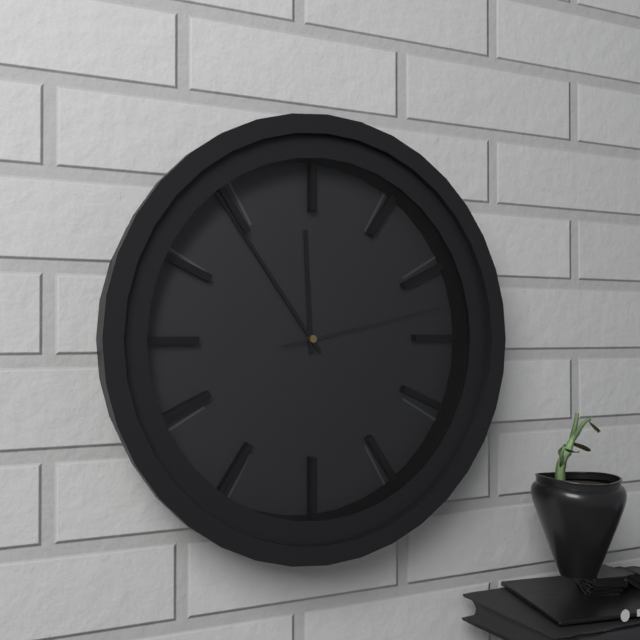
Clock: 11:54:13
